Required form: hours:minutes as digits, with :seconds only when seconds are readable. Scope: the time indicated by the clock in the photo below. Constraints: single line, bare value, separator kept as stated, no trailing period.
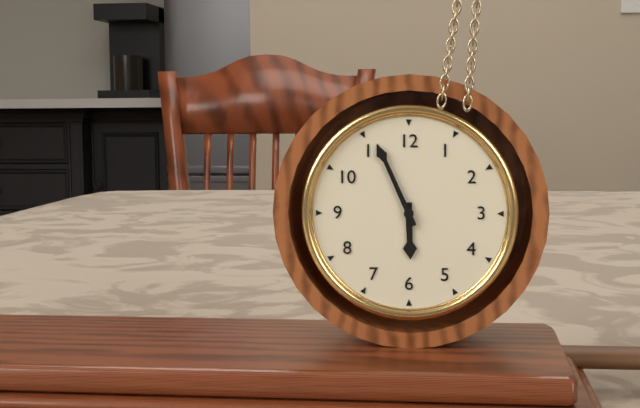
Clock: 5:56
